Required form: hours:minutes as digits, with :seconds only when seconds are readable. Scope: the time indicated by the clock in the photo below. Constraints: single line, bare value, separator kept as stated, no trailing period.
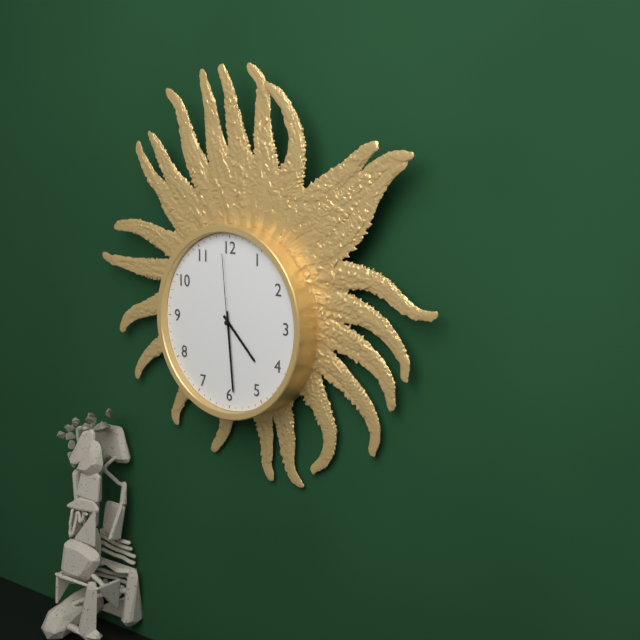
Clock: 4:29:59
